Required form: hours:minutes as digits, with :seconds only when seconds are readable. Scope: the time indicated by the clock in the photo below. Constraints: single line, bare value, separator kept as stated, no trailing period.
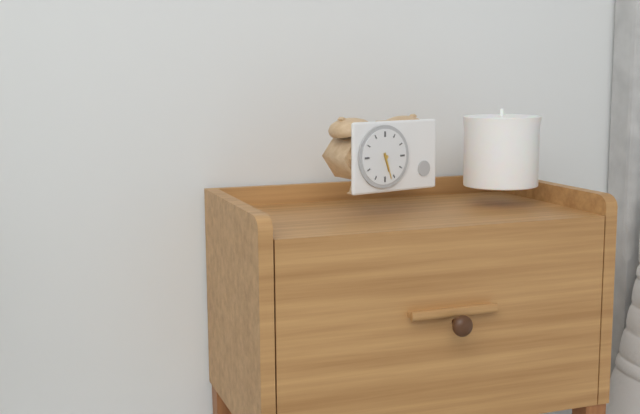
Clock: 5:27
